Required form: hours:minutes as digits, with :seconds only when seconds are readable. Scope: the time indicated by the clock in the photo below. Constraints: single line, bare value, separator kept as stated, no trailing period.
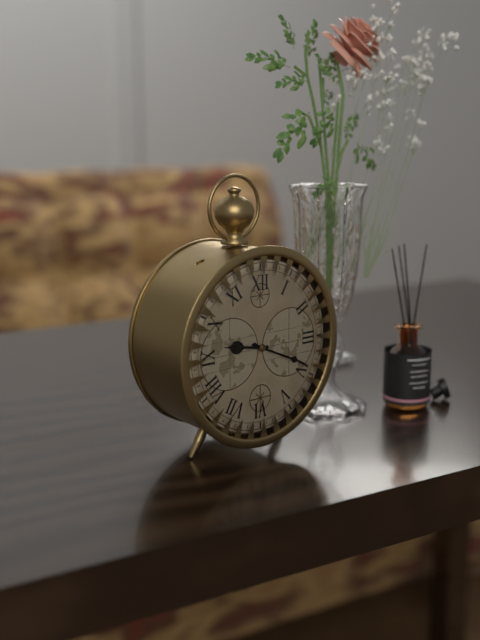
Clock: 9:19
